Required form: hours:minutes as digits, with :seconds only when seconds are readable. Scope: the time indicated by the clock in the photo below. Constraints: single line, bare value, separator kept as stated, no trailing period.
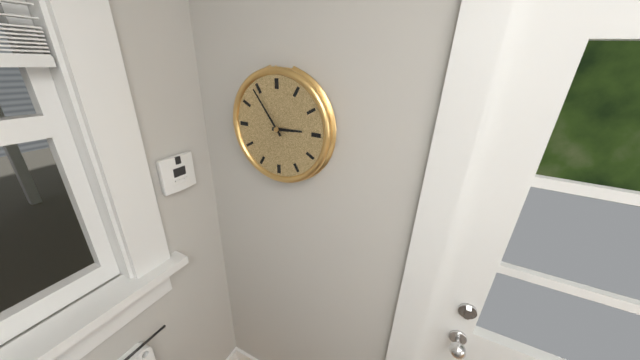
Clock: 2:54
